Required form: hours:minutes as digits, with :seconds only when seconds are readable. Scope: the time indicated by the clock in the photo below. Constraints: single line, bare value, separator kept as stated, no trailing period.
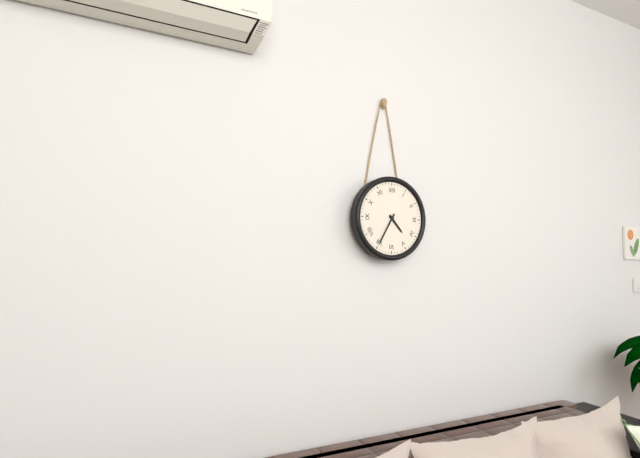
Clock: 4:35
